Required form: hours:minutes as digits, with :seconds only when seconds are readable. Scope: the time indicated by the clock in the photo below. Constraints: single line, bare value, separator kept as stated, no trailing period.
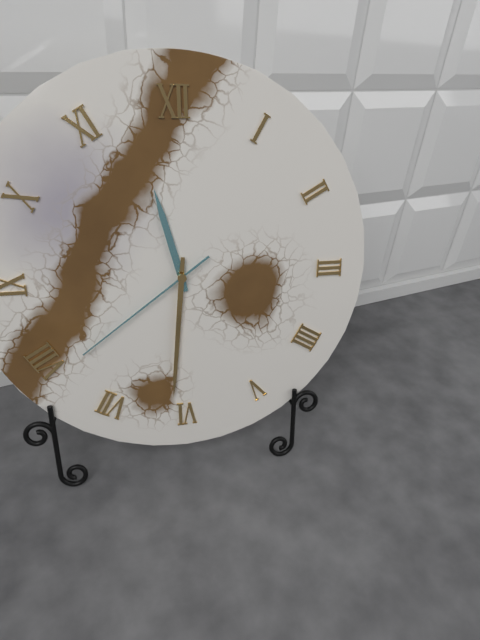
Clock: 11:31:39
